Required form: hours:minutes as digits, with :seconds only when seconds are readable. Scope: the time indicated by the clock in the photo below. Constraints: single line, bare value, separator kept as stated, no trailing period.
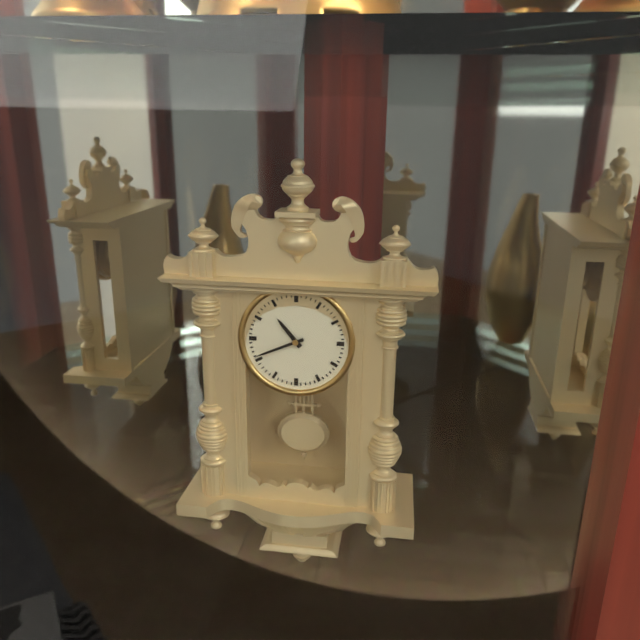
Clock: 10:41
